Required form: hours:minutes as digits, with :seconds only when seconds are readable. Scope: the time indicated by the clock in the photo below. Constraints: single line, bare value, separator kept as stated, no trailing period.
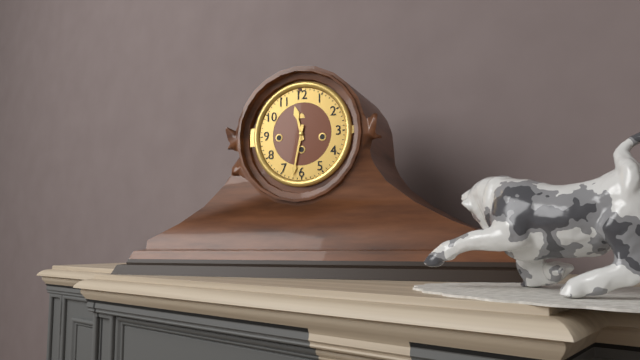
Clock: 11:32
